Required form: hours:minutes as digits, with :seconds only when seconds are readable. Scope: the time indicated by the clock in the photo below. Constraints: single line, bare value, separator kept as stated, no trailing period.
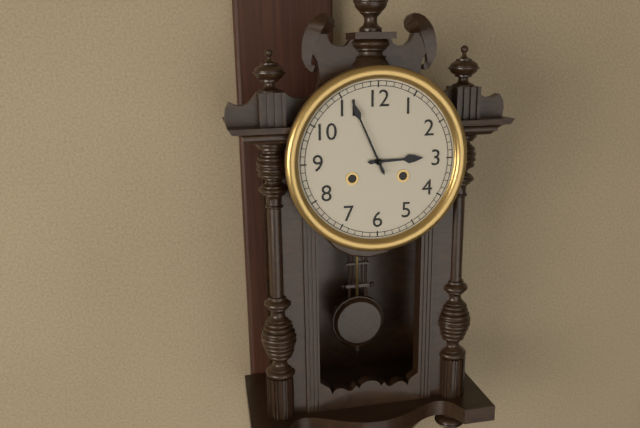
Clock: 2:56
